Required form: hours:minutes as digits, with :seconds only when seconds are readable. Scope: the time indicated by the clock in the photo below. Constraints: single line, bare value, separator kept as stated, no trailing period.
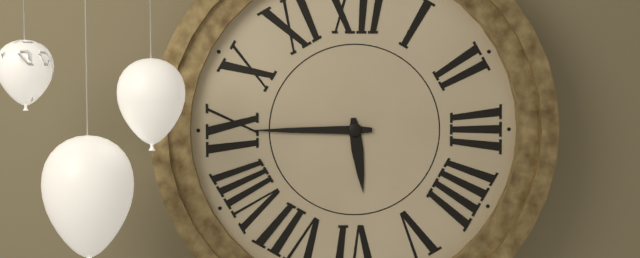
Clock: 5:45
